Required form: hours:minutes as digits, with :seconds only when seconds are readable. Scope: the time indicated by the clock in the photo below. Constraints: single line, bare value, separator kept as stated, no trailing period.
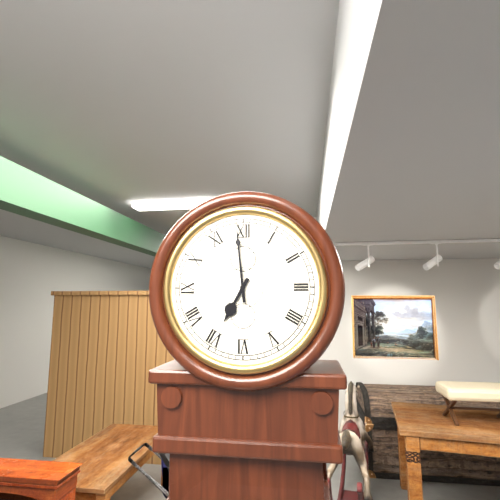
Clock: 6:59
